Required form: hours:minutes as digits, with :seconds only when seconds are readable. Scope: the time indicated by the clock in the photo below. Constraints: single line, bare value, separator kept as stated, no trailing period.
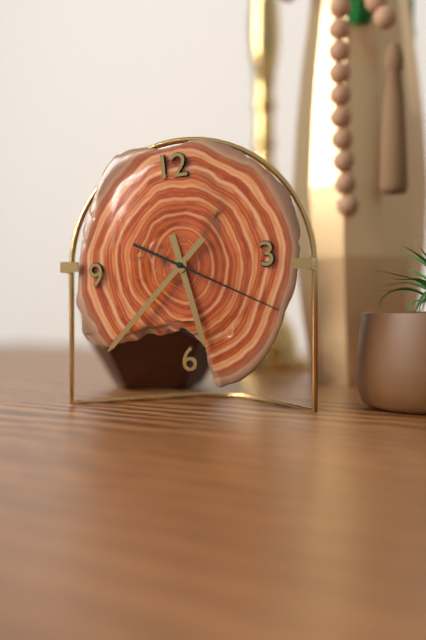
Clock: 5:38:20
